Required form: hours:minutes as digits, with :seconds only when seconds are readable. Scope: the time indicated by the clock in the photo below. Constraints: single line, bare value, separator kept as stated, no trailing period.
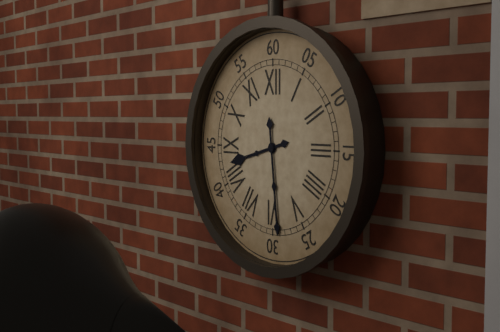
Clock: 8:29
